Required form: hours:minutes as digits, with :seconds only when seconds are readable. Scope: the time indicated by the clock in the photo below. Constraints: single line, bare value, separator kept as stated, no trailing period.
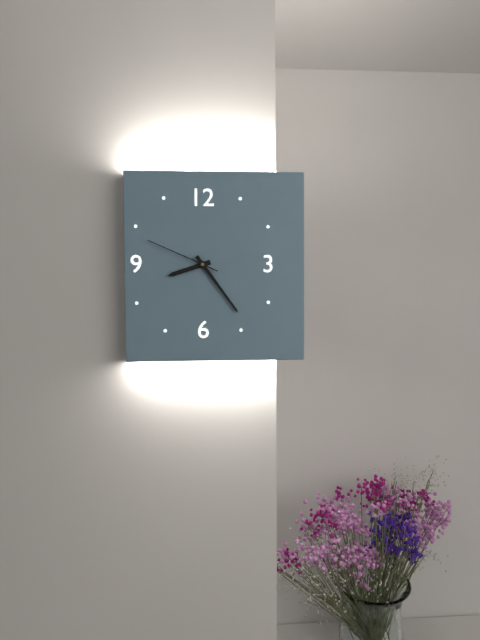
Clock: 8:24:49
